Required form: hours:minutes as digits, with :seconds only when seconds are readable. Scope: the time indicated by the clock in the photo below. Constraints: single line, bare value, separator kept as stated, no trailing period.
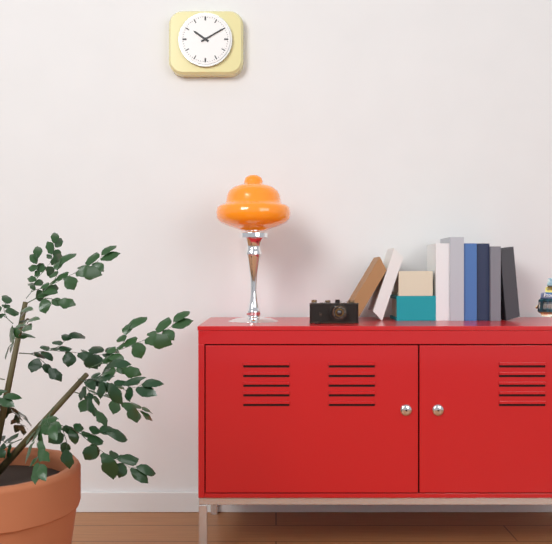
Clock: 10:10
